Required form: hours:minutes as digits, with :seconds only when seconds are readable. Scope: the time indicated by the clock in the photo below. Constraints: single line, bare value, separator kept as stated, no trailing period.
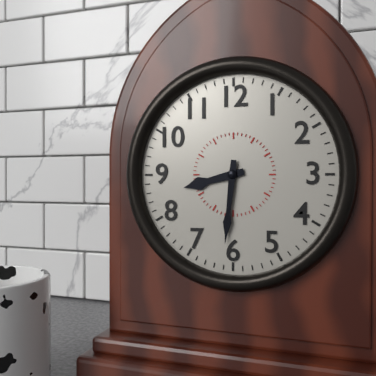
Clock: 8:31
